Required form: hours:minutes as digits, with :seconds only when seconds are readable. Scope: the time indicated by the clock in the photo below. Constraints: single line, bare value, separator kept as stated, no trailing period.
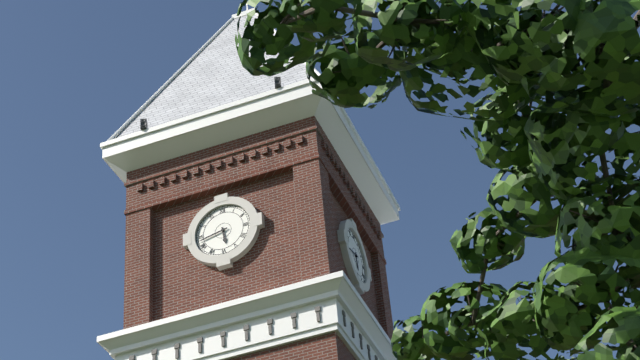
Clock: 5:43
